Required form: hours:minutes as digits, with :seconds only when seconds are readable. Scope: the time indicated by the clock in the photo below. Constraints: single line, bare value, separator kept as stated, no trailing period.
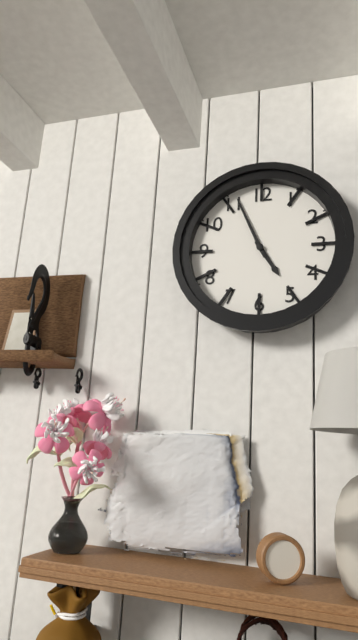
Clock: 4:56
